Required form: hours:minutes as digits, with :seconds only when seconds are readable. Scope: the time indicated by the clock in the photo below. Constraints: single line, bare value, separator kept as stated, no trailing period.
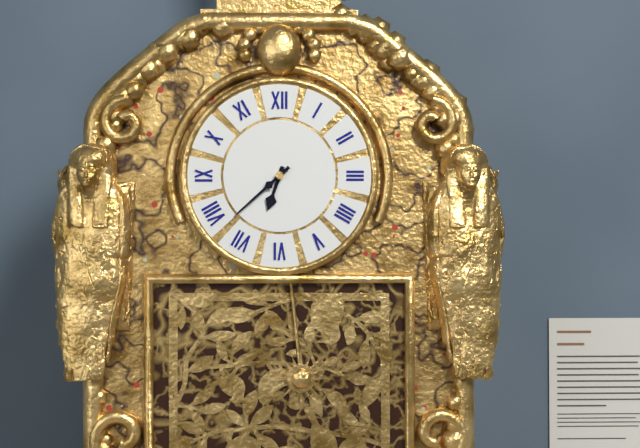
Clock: 6:38
